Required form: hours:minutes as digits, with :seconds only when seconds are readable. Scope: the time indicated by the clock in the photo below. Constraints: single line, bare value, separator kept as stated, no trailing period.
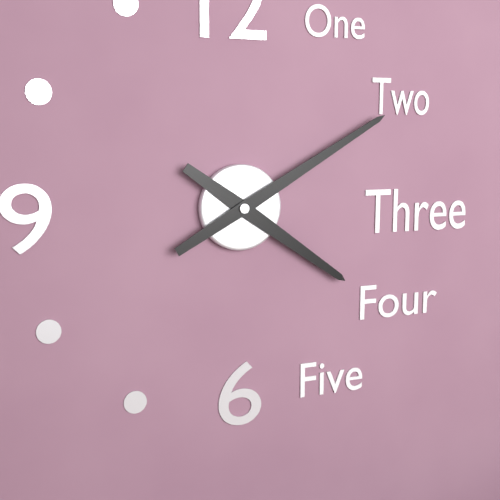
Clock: 4:10
